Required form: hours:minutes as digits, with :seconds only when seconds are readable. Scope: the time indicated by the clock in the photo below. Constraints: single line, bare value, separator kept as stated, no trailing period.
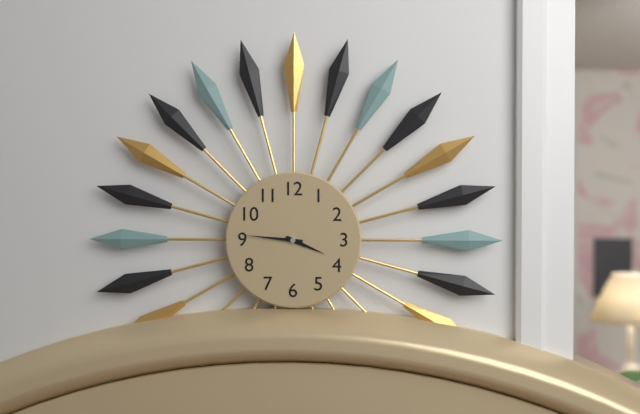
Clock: 3:46
